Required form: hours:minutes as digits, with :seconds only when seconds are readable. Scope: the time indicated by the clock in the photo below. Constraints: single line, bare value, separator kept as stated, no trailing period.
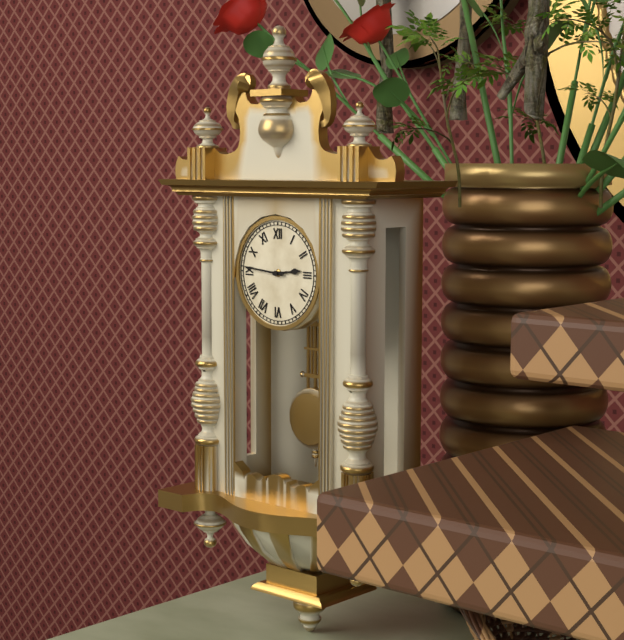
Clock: 2:46
